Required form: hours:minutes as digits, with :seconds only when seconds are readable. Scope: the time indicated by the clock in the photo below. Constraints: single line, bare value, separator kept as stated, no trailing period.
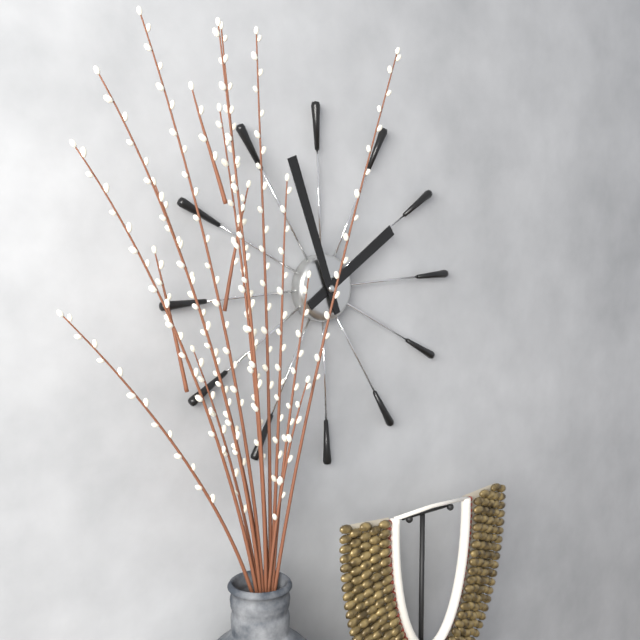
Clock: 1:57
